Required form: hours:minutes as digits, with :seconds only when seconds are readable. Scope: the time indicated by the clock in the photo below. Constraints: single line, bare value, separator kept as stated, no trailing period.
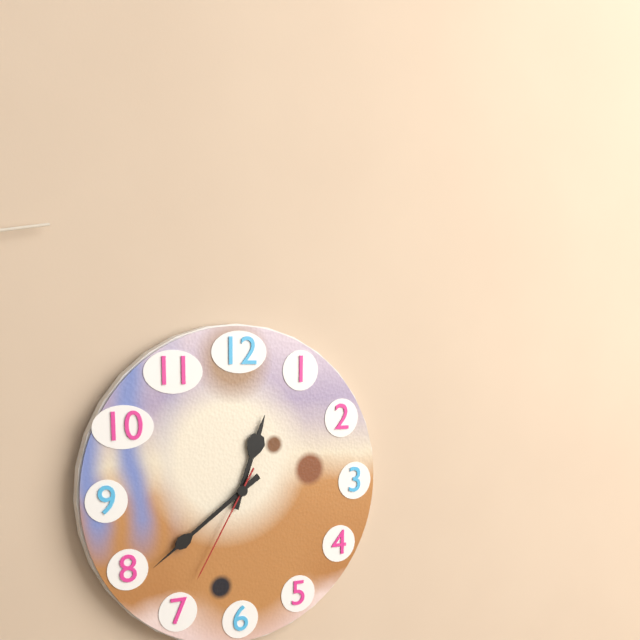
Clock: 12:39:35
